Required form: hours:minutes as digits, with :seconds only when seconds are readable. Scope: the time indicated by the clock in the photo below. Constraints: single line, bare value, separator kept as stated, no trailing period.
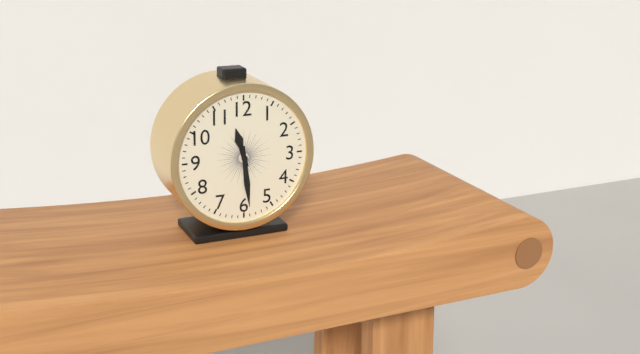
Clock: 11:29
